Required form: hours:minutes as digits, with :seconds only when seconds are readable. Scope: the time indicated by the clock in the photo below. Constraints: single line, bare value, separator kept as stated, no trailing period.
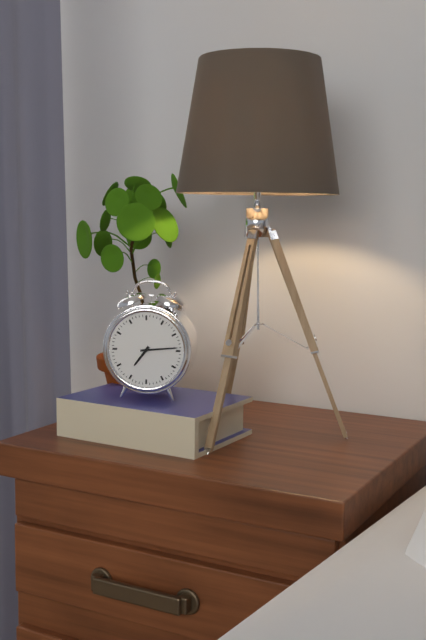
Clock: 7:14
